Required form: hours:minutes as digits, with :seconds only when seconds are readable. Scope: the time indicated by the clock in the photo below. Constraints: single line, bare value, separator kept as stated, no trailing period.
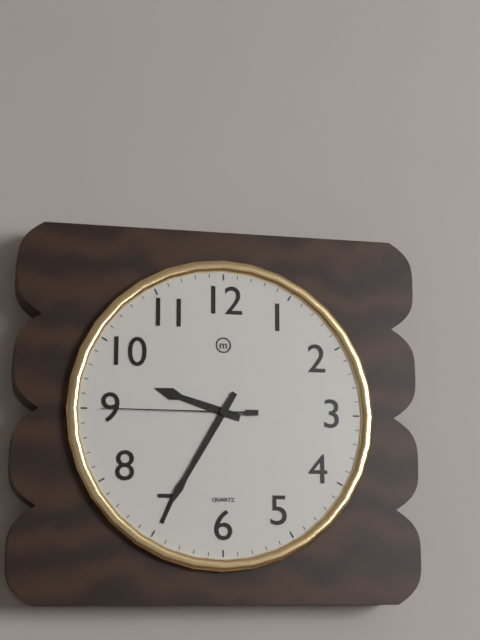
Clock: 9:35:45
